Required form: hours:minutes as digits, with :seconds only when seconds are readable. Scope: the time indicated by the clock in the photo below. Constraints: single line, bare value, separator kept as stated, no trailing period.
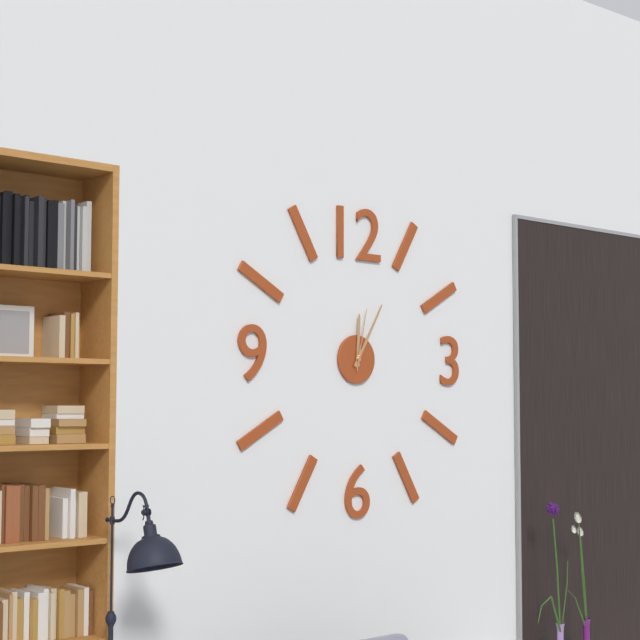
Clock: 12:05:02
